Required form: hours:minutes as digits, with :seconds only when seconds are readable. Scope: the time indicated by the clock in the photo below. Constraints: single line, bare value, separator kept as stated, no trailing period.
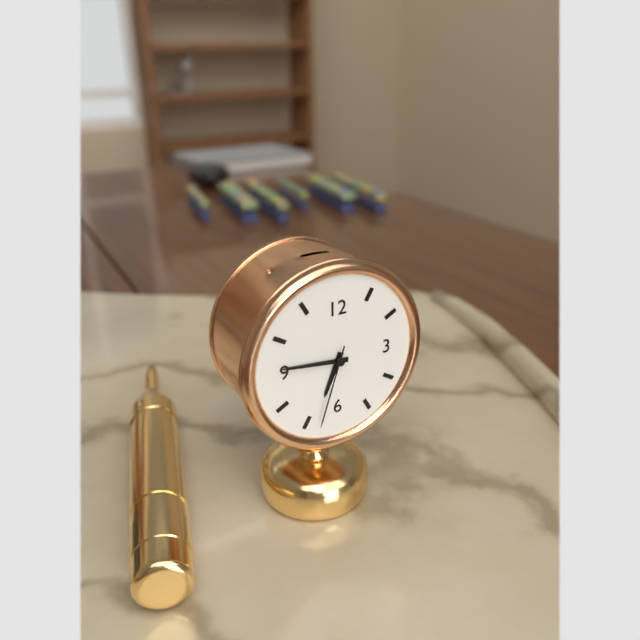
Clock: 6:46:33
